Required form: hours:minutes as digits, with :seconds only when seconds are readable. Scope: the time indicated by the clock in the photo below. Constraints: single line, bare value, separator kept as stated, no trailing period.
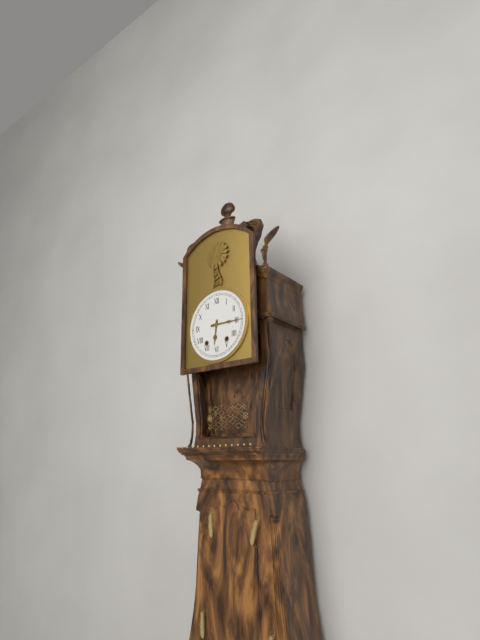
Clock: 6:15
